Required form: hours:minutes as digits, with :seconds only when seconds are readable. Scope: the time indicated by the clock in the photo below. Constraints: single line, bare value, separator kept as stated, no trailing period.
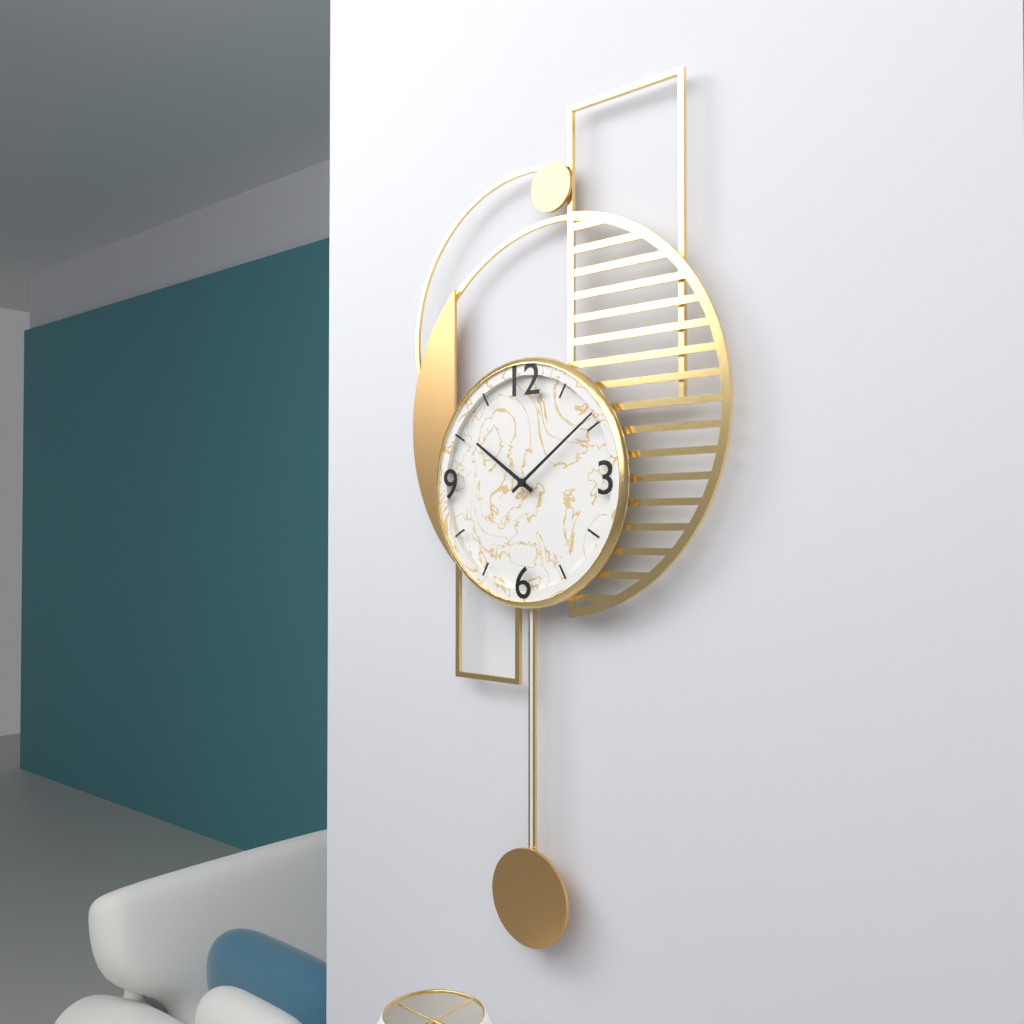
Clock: 10:09
